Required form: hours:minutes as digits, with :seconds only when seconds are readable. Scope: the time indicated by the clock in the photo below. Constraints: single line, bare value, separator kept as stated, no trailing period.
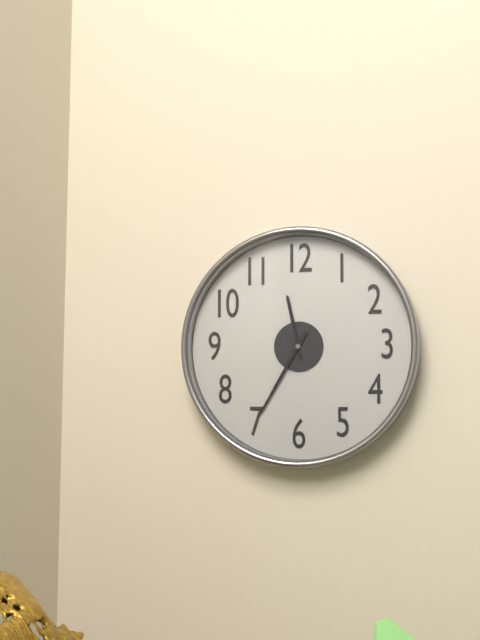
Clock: 11:35
